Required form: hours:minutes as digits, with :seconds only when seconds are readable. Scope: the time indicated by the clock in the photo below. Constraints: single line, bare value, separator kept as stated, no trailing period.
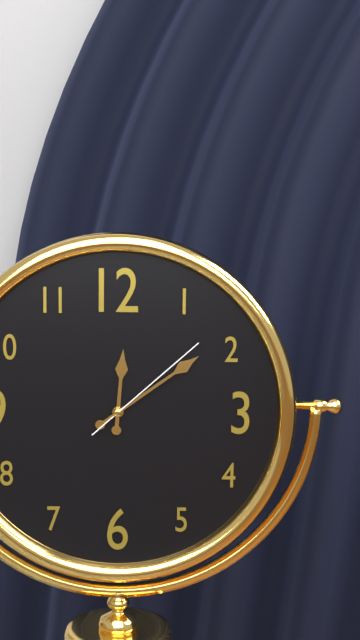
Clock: 12:09:08
